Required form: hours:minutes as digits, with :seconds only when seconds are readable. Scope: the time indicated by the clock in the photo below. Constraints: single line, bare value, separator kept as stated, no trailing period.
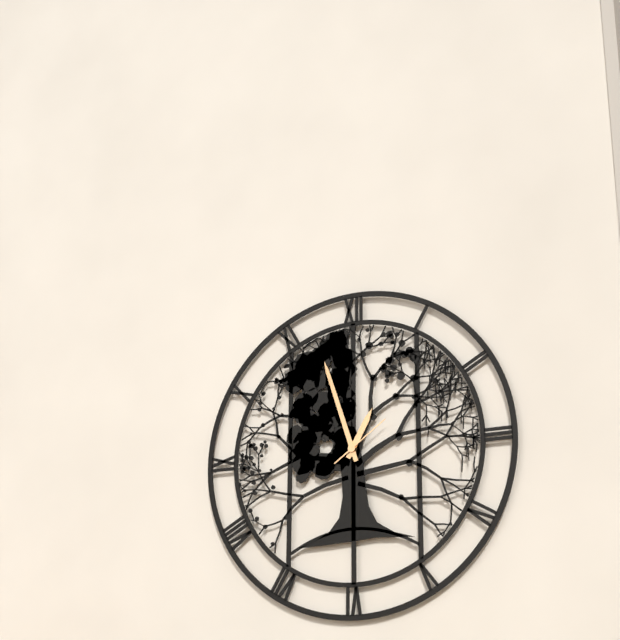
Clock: 12:57:09
